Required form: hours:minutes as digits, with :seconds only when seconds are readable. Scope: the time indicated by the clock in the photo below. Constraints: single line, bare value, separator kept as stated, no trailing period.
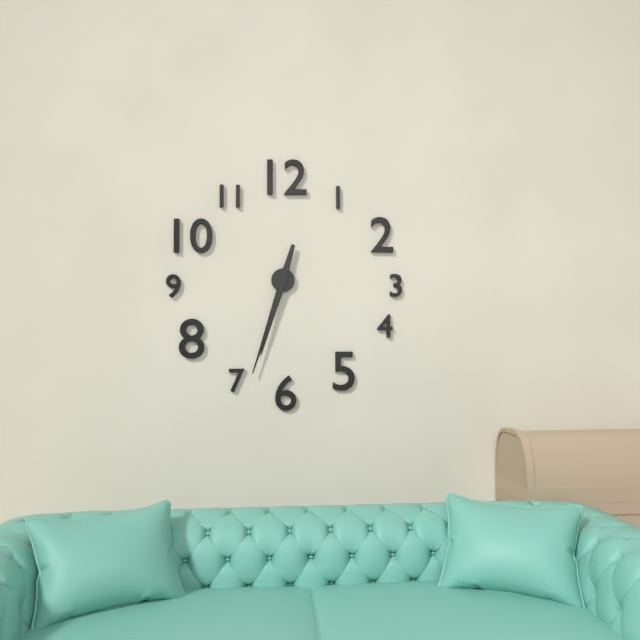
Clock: 6:33
